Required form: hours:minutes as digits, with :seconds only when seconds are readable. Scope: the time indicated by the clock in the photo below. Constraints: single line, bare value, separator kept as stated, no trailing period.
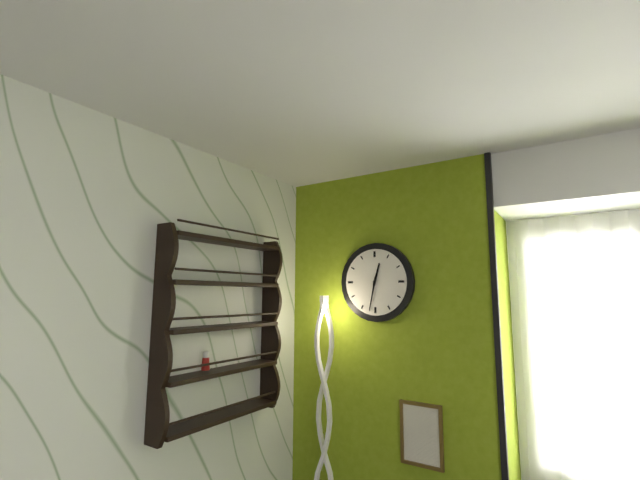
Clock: 12:32
